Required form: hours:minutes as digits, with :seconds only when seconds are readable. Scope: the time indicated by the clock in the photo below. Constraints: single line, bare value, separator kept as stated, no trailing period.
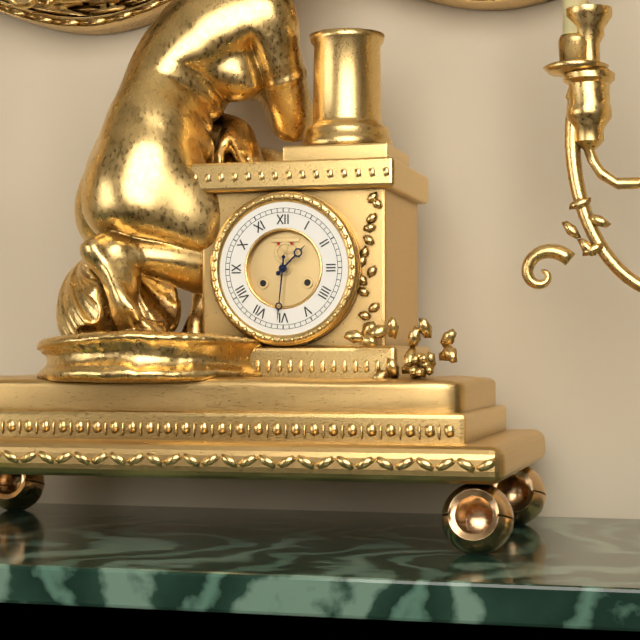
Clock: 1:31
